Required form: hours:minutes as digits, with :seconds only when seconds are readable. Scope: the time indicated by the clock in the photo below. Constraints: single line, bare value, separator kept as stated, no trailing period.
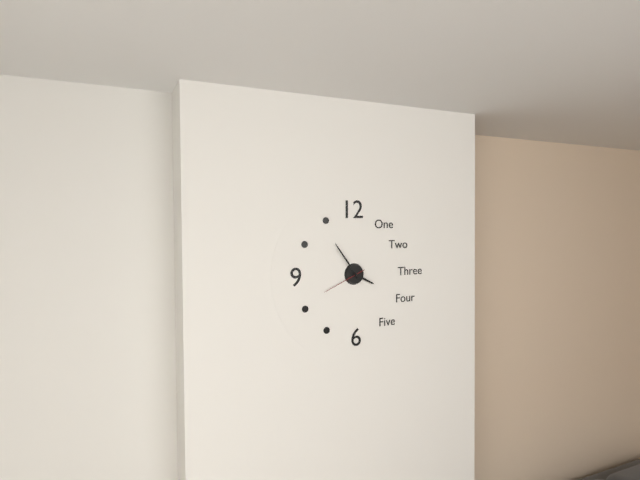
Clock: 3:54
